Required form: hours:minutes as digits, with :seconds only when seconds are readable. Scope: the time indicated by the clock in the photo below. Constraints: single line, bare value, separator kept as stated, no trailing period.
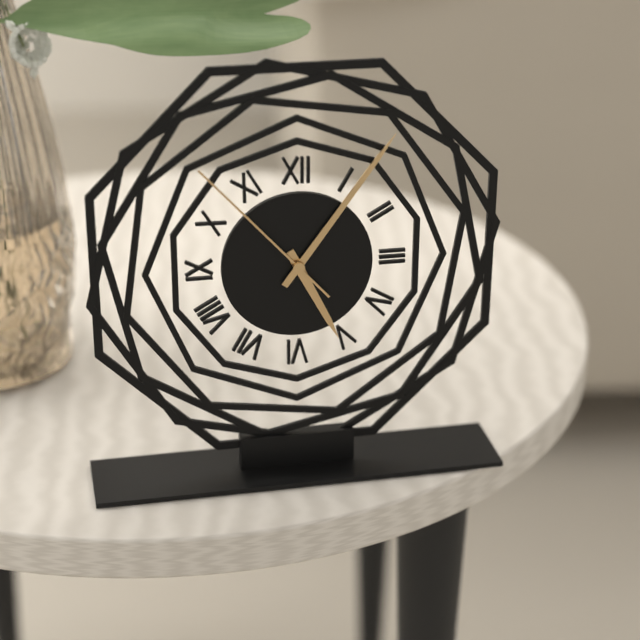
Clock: 5:06:53
